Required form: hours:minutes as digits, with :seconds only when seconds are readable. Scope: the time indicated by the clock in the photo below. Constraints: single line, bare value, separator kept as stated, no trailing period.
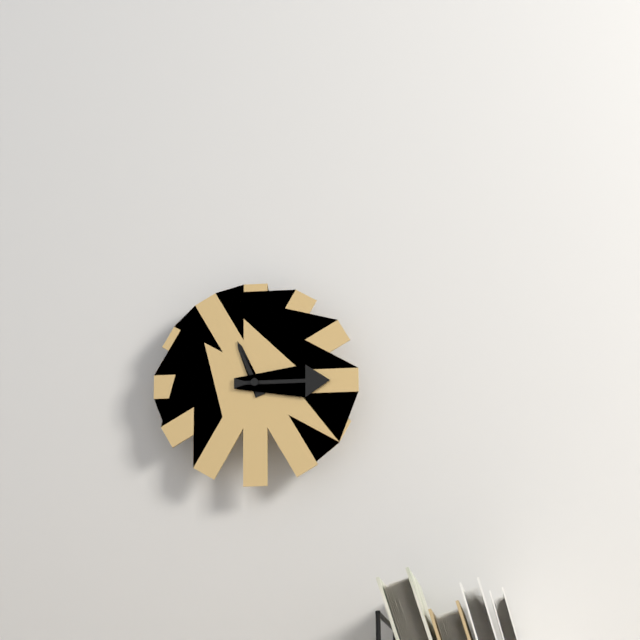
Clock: 11:15
